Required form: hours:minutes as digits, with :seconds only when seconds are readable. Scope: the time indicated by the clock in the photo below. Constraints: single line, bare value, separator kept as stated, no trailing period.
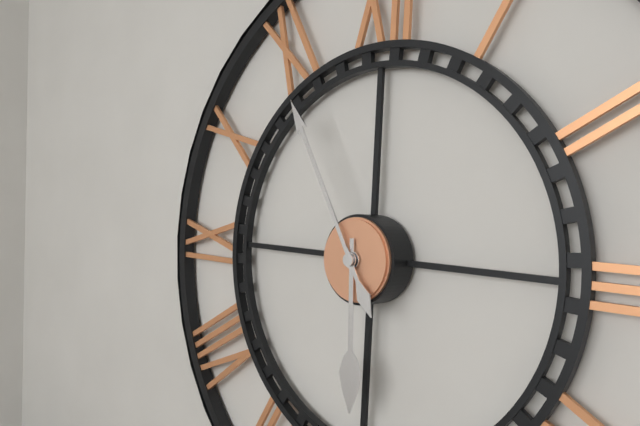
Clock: 5:55
